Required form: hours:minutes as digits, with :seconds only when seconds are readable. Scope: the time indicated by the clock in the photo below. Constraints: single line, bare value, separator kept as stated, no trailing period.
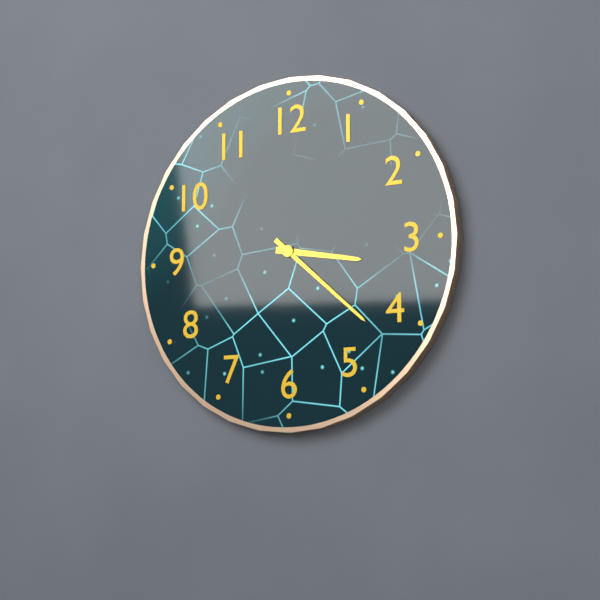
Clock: 3:22
